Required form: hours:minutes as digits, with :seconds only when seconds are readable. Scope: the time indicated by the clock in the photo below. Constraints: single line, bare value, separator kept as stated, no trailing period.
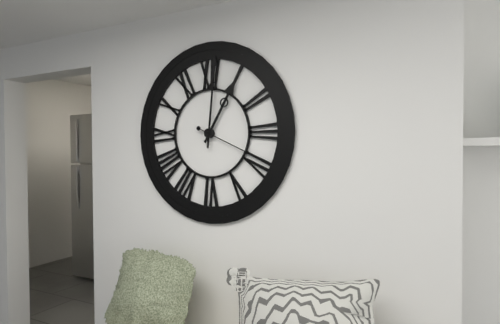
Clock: 1:01:19
